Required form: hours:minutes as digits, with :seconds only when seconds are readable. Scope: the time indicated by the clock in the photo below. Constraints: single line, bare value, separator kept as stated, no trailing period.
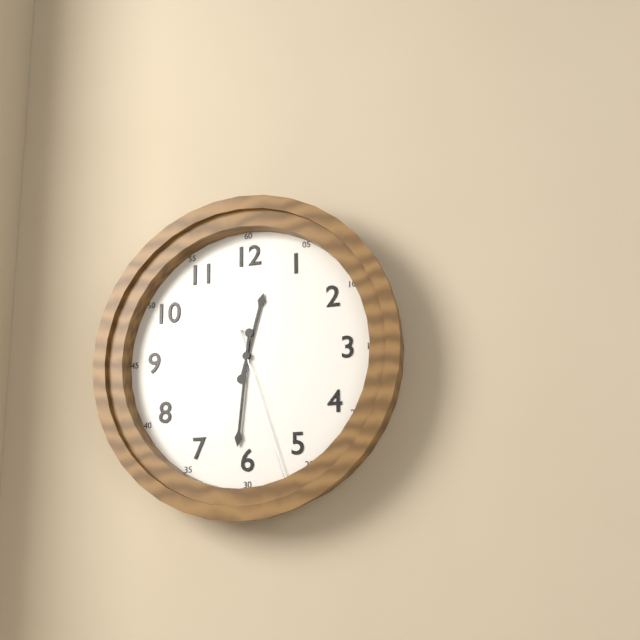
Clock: 12:31:27
